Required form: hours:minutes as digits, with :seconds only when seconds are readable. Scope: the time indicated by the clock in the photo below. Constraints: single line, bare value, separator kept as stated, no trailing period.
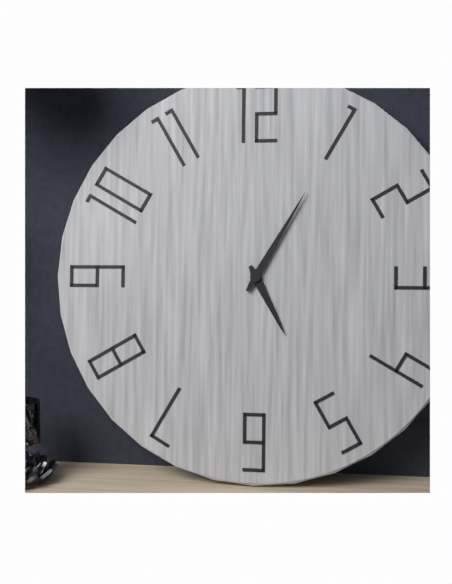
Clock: 5:05
